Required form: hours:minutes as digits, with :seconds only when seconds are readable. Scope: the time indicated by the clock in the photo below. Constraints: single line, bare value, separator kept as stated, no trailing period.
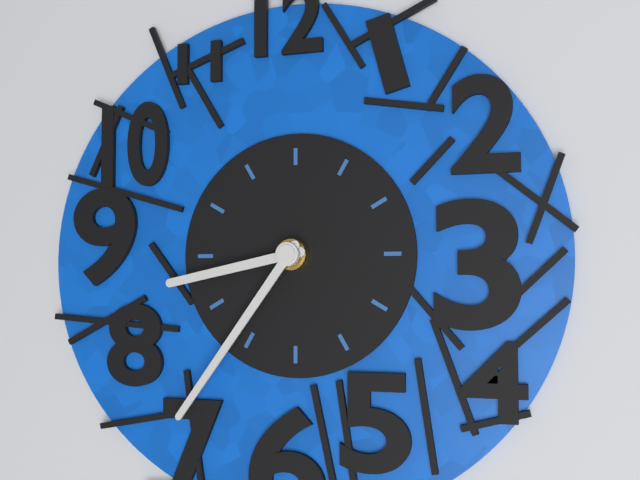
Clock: 8:36
